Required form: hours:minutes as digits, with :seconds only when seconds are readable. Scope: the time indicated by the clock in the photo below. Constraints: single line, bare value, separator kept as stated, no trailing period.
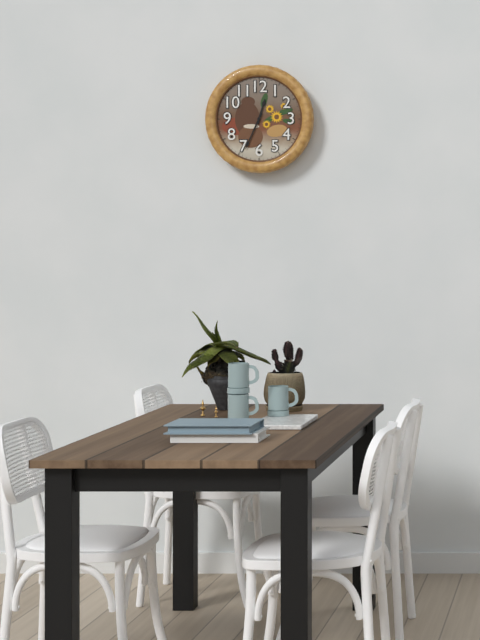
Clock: 12:34
